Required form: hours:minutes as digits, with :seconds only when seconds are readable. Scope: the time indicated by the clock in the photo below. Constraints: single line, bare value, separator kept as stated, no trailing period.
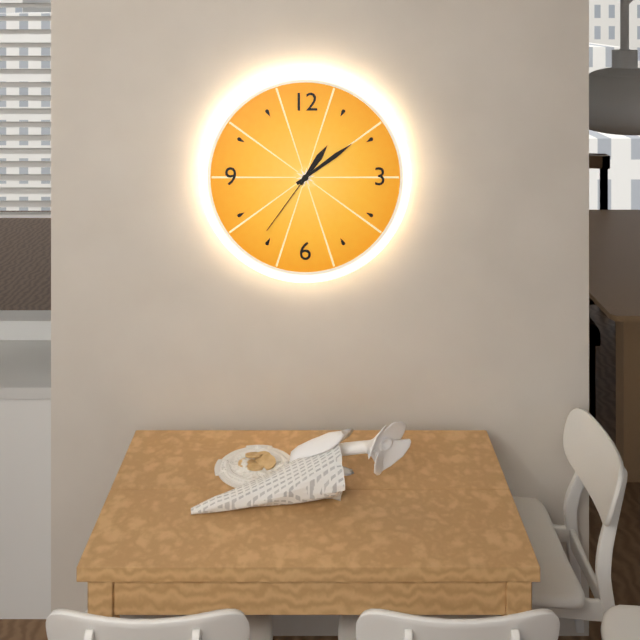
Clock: 1:09:36
